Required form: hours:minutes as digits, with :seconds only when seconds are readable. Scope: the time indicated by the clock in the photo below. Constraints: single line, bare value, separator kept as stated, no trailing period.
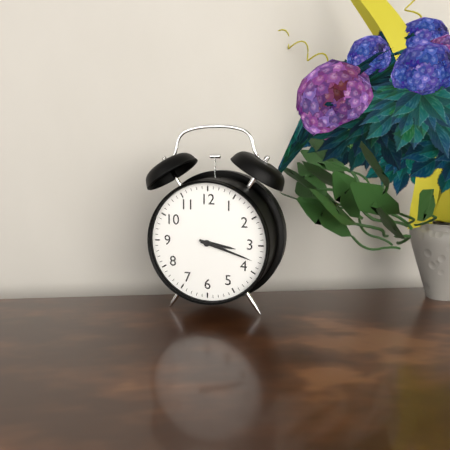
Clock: 3:18
